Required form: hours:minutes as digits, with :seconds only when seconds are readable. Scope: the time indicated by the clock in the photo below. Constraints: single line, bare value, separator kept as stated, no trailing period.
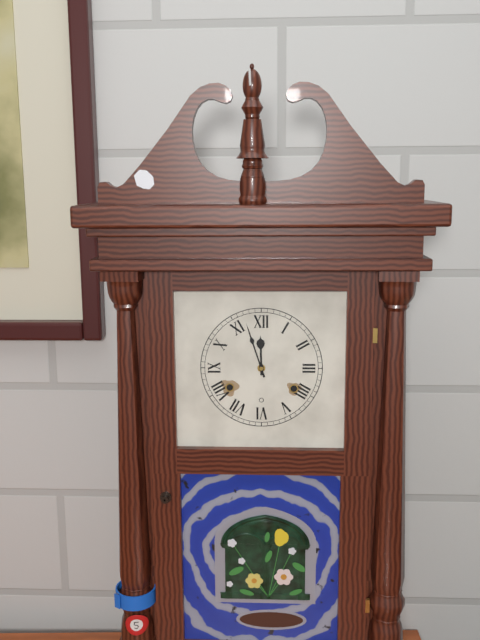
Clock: 11:57
